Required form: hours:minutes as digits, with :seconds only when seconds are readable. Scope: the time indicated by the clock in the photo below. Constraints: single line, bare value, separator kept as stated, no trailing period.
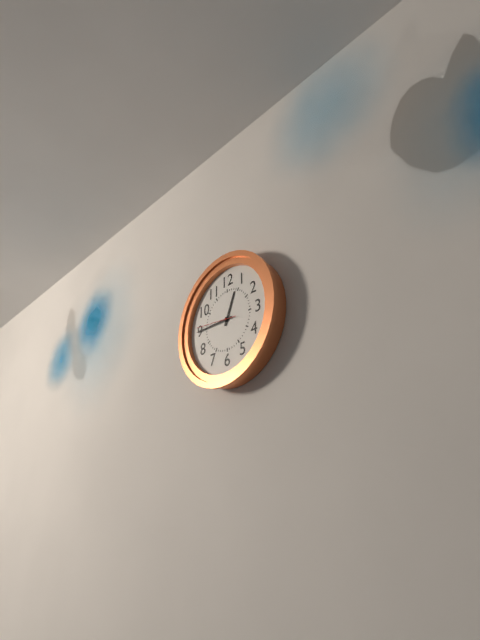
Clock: 12:45
